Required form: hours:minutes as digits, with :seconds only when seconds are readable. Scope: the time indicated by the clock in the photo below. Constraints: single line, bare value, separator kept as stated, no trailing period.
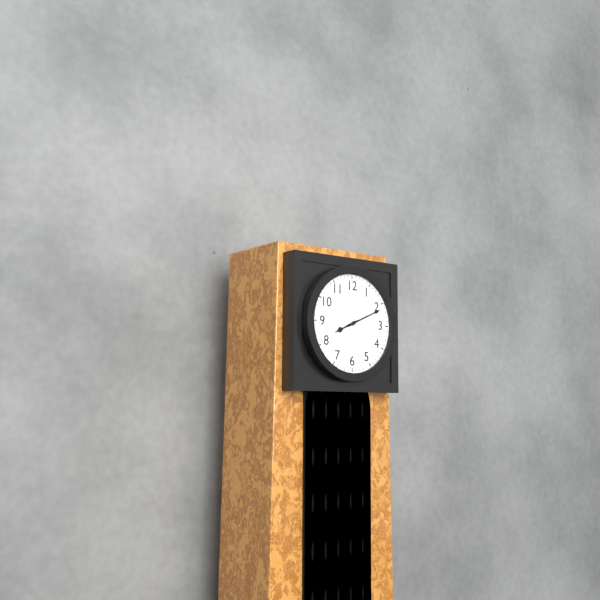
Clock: 8:11
